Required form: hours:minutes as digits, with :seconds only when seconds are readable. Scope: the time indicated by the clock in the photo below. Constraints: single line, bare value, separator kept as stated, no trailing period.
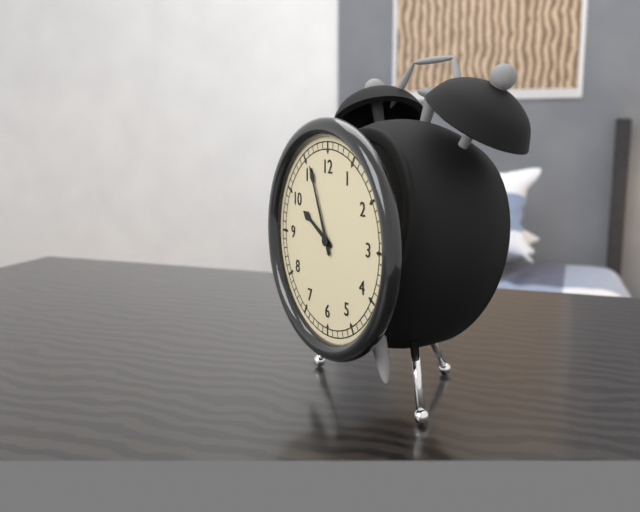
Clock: 9:56
